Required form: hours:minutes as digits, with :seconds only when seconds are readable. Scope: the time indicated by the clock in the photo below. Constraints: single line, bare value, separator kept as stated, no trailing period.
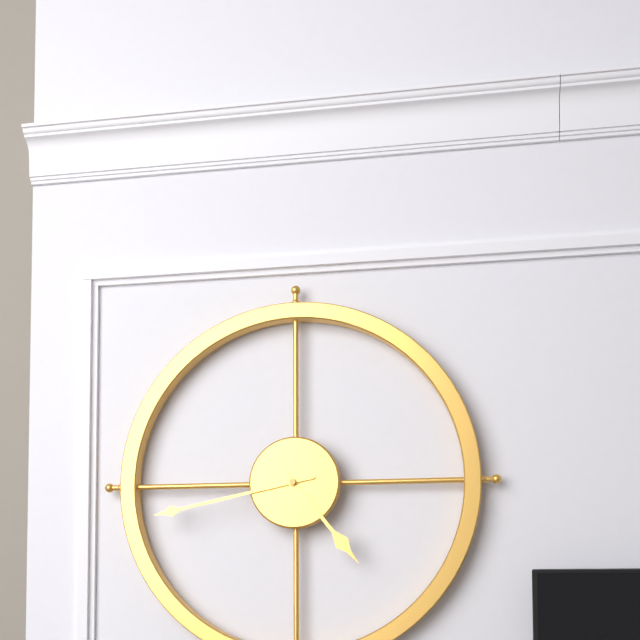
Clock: 4:43
